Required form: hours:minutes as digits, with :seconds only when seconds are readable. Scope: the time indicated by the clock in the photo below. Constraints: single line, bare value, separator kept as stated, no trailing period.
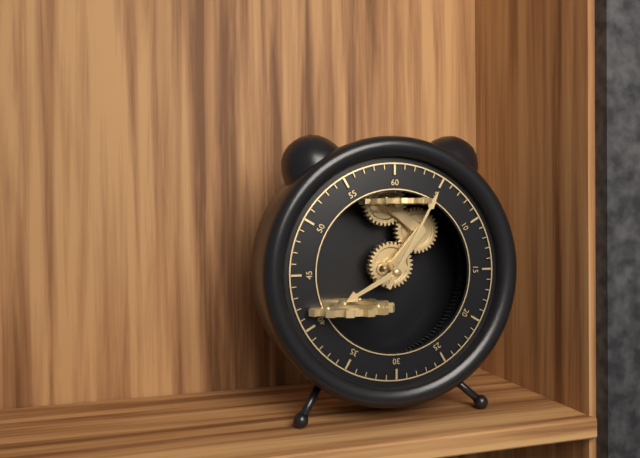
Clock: 8:05
